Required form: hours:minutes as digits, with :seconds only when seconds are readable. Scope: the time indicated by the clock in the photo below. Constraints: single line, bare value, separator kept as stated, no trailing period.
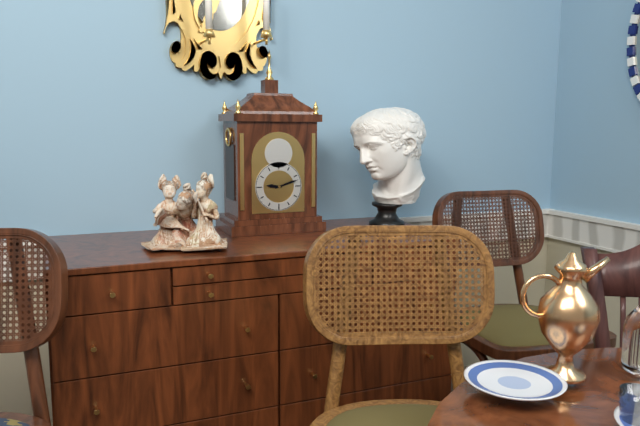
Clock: 9:12
